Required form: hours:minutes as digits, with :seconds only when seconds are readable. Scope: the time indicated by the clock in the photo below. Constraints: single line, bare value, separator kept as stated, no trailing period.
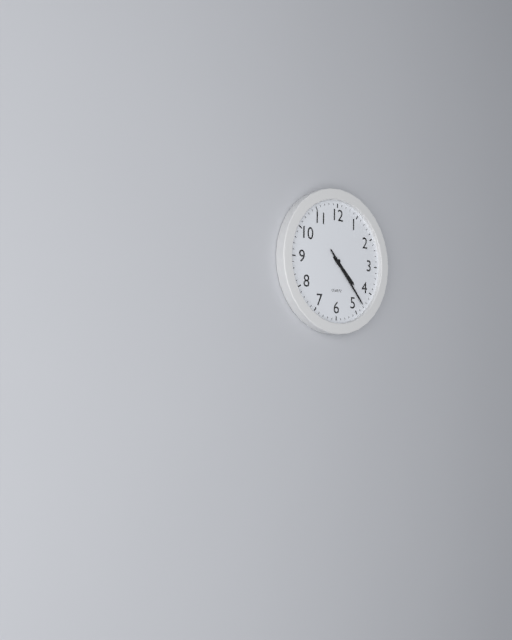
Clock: 4:23
